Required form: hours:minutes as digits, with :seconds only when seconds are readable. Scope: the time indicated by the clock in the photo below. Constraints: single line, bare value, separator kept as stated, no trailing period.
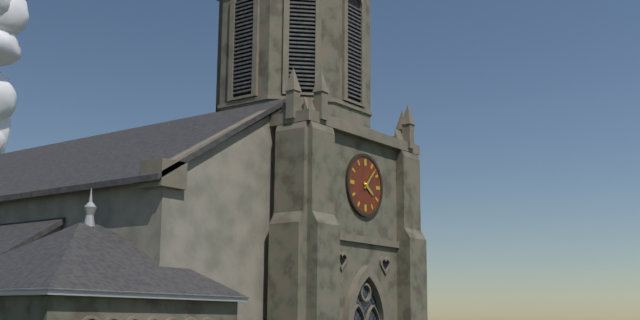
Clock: 4:07
